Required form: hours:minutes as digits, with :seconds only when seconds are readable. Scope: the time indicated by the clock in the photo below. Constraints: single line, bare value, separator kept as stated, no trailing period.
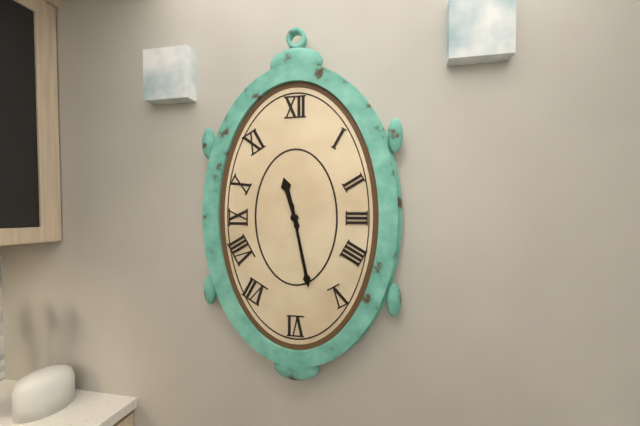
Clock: 11:28
